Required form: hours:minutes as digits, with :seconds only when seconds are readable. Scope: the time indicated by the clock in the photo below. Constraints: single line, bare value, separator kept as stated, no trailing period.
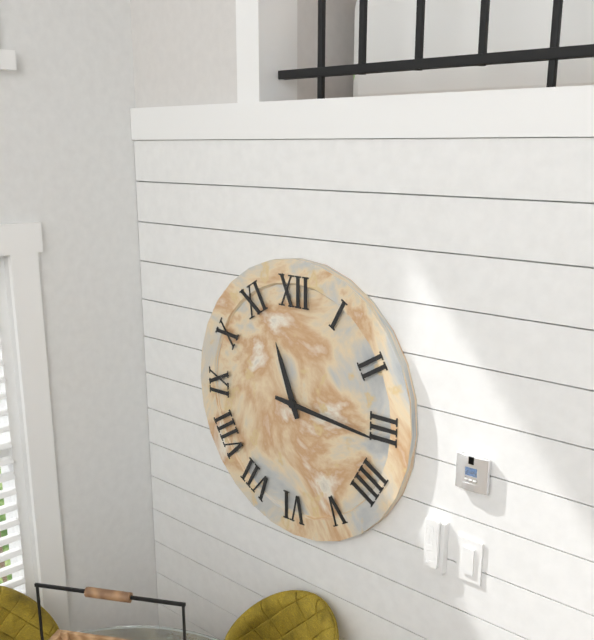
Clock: 11:16
